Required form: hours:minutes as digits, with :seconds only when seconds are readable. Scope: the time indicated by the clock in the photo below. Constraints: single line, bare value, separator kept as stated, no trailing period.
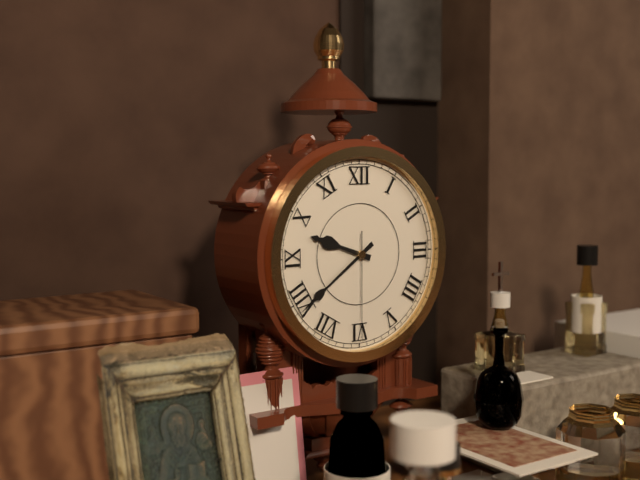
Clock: 9:39:30
